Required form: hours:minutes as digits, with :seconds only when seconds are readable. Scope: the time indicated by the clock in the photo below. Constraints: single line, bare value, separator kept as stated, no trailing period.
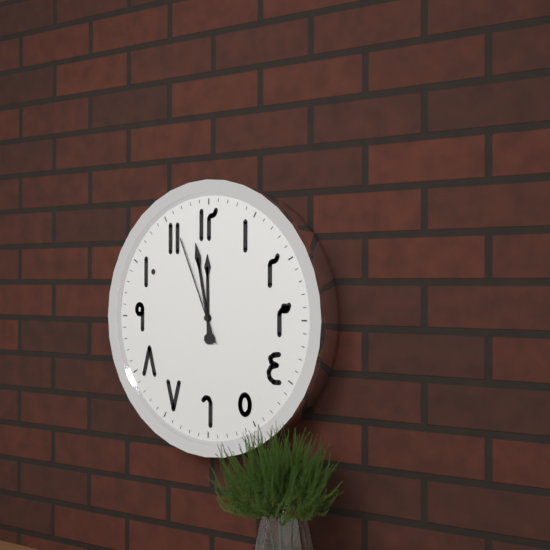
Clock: 11:58:56
